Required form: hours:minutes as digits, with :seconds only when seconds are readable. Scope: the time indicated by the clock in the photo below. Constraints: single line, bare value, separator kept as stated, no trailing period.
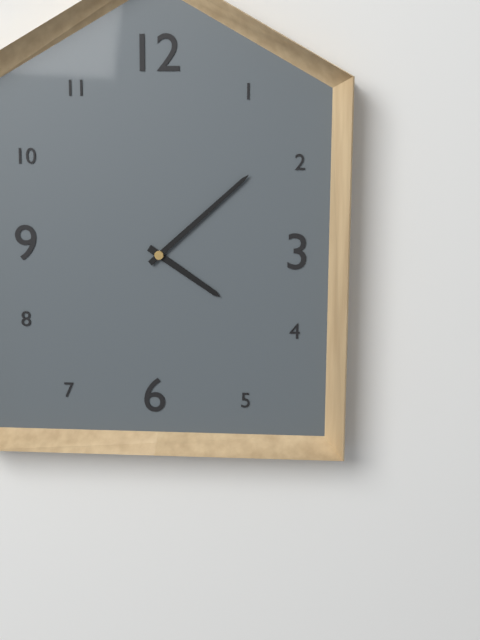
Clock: 4:08
